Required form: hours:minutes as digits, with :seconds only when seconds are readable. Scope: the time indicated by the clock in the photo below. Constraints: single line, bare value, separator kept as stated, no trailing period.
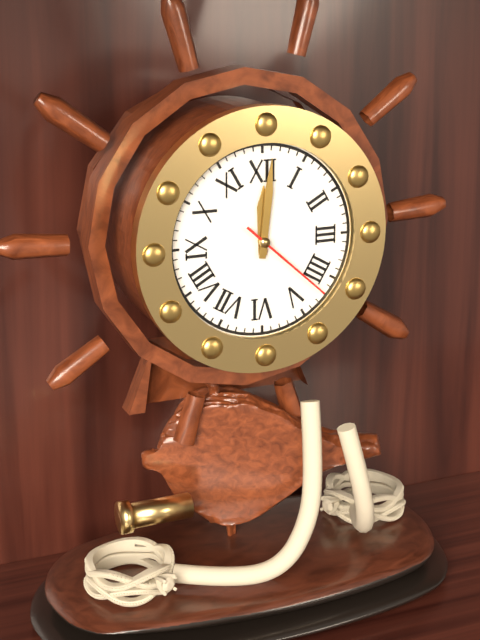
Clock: 12:01:22
